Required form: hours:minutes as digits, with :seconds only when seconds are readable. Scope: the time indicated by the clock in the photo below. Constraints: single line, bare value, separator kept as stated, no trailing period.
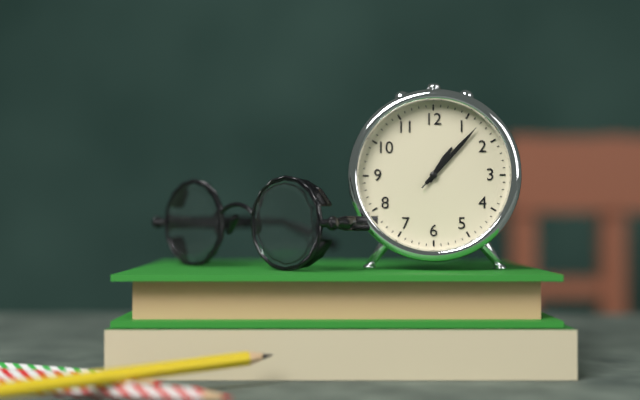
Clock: 1:07:07
